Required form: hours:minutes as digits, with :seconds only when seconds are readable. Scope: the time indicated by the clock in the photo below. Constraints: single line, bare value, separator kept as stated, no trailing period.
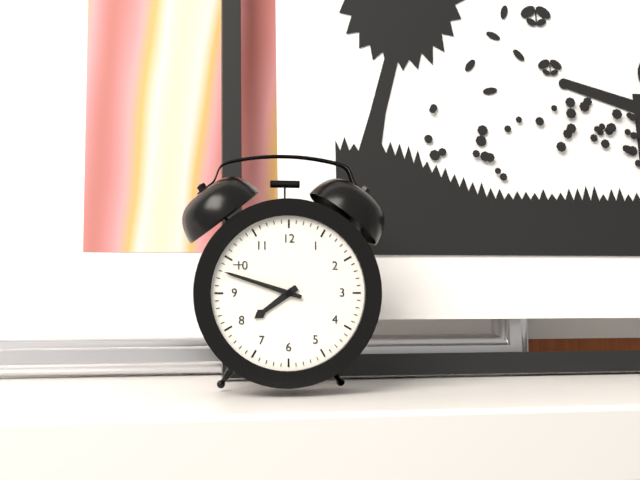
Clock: 7:48
